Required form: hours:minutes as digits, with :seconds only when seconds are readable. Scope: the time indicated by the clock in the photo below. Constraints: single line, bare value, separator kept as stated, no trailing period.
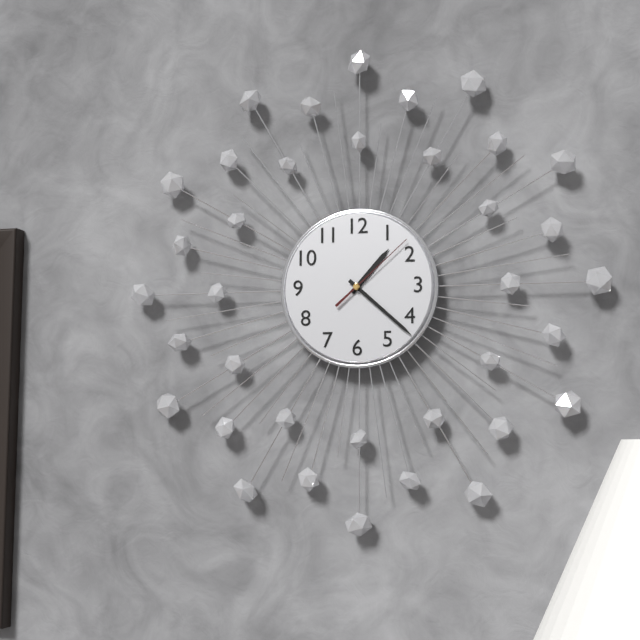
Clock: 1:22:08
